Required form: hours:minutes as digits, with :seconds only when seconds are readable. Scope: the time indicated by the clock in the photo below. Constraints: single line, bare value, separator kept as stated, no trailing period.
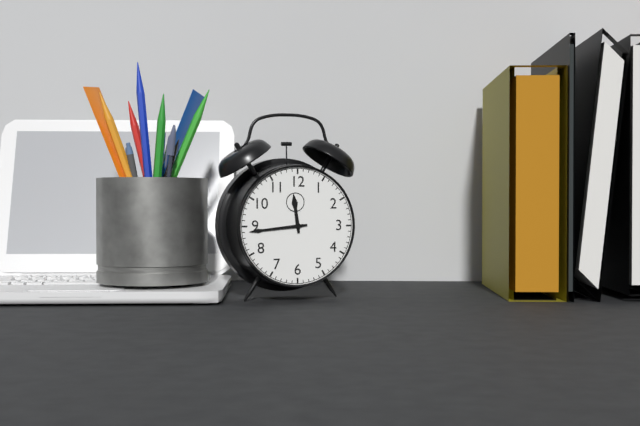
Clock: 11:44
